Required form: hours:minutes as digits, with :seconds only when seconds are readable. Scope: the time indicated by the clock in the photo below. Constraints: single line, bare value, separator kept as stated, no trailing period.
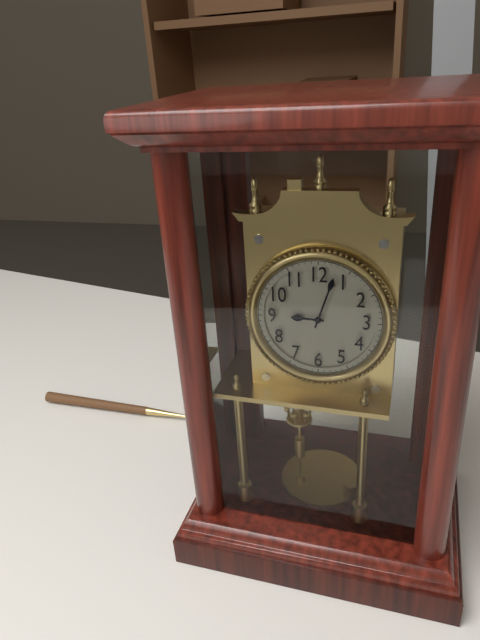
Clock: 9:03
